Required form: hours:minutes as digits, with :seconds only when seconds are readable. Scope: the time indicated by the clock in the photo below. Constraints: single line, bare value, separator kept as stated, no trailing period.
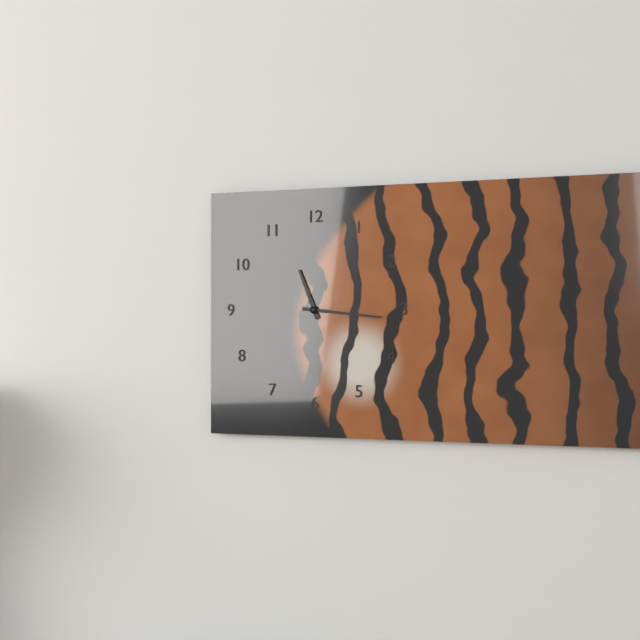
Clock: 11:16
